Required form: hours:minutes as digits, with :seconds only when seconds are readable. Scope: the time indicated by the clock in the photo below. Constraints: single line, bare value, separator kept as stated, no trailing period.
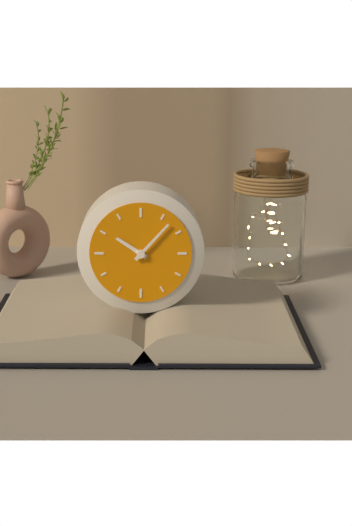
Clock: 10:07
